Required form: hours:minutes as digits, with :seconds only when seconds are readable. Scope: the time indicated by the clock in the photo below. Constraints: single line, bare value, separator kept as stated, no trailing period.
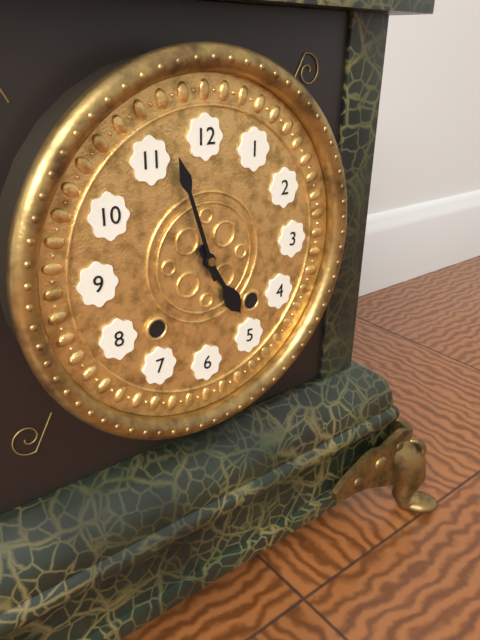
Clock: 4:57
